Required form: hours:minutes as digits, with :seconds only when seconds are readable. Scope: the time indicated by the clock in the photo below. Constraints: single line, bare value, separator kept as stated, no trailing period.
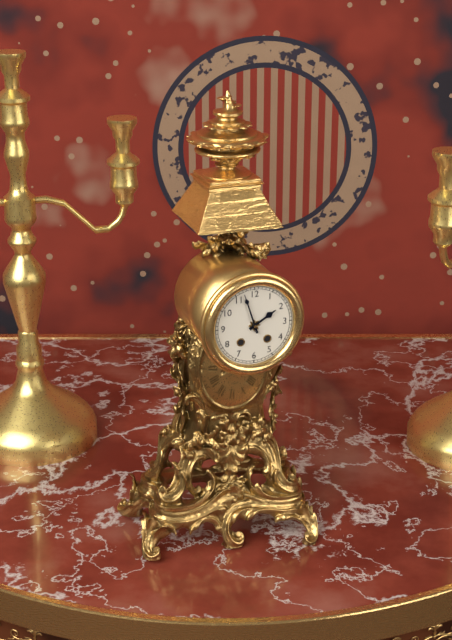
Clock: 1:57
